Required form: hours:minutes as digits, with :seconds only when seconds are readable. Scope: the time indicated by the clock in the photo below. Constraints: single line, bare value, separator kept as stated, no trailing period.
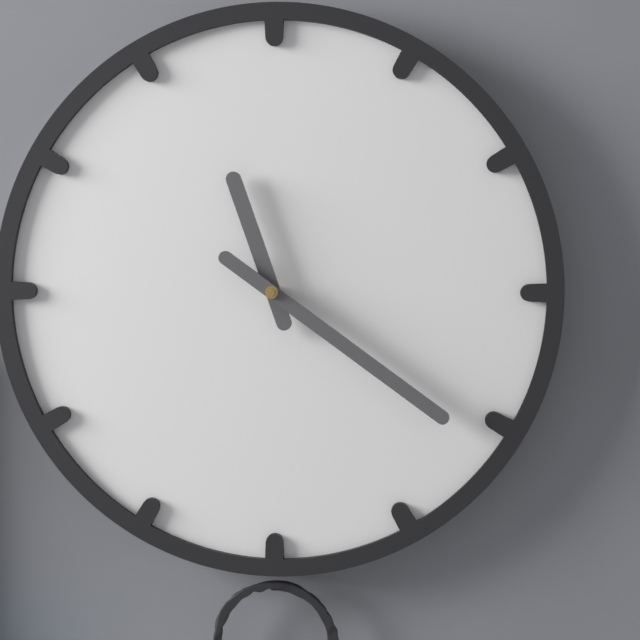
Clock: 11:21
